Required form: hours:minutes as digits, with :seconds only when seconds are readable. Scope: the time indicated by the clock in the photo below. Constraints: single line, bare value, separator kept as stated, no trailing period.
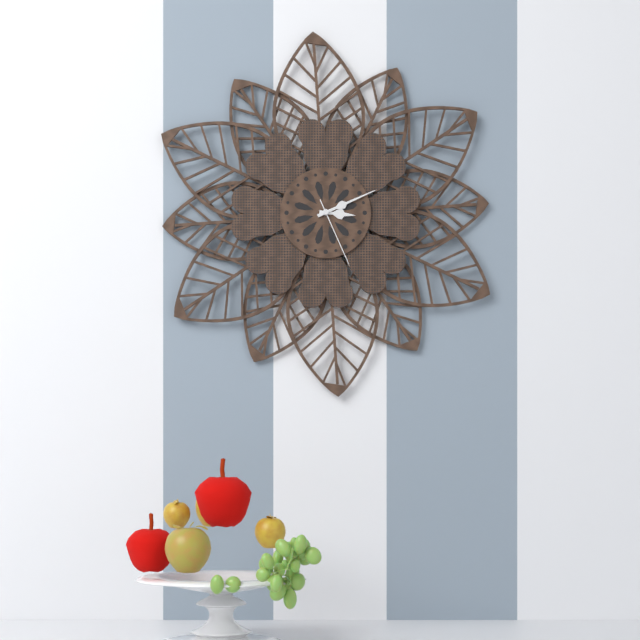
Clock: 3:11:26
